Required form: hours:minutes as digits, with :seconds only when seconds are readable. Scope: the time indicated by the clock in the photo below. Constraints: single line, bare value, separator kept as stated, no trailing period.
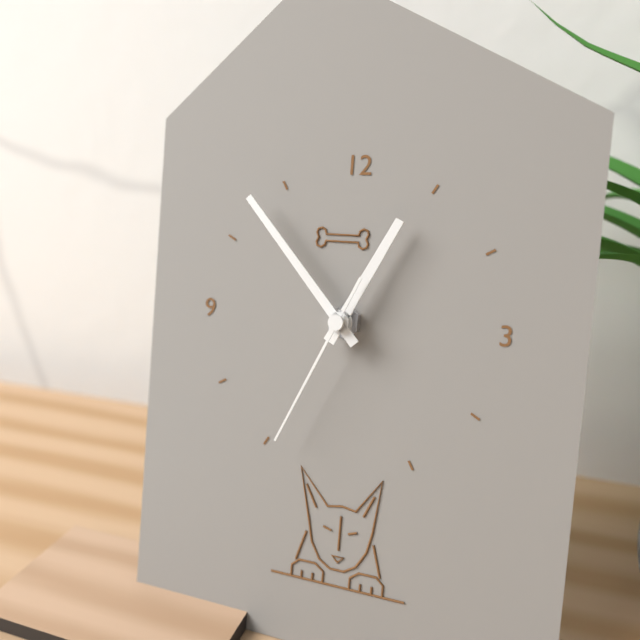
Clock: 12:53:34
